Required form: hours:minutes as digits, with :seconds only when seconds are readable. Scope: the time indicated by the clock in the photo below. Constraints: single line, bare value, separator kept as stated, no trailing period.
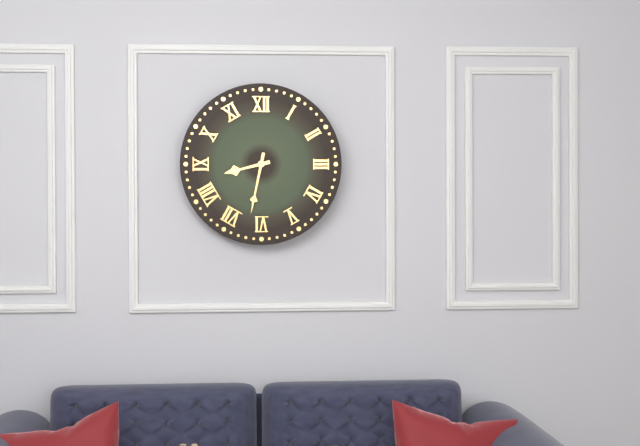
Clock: 8:32
